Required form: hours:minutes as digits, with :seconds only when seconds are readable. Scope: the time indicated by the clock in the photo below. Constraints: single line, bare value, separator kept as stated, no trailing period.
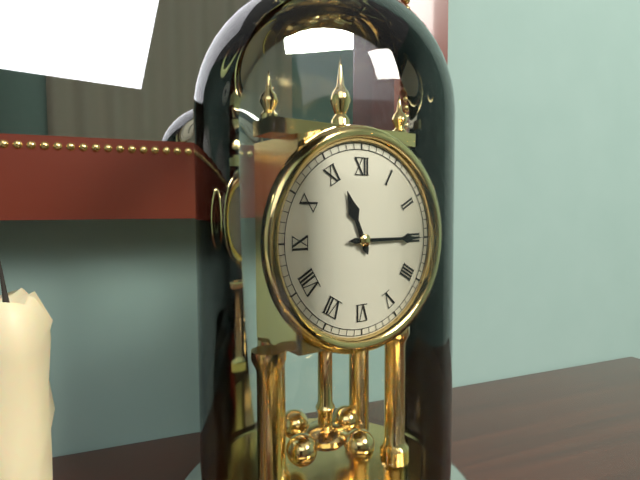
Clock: 11:15
